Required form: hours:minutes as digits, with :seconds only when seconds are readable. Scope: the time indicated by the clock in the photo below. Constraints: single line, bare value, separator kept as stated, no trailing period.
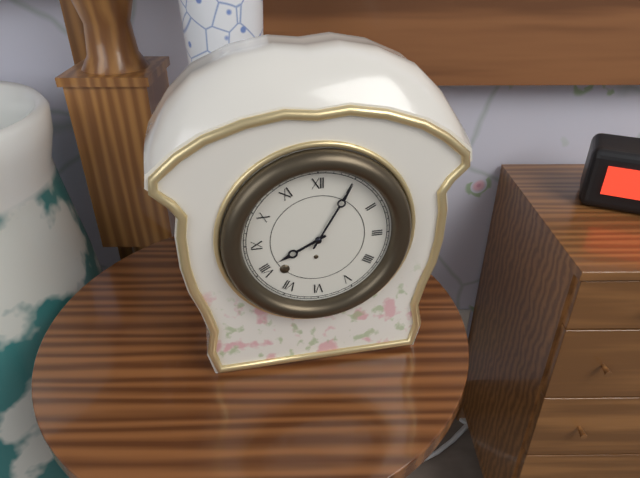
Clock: 8:05
